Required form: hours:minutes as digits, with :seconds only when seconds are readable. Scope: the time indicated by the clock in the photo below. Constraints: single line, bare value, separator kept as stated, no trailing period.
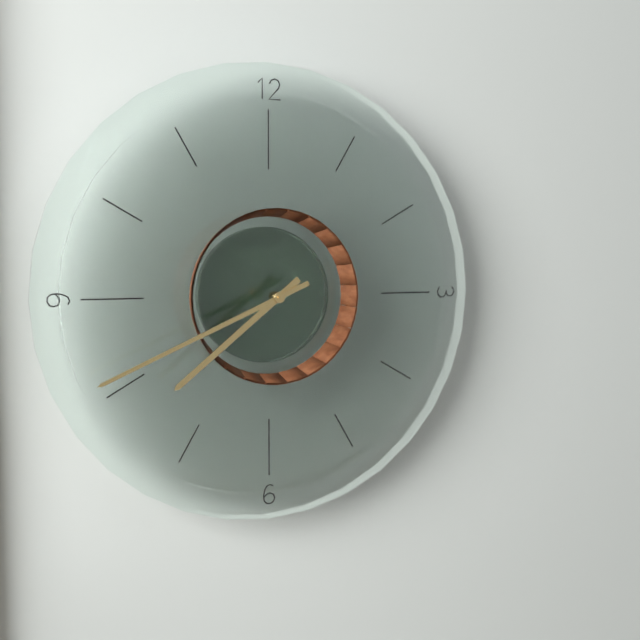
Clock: 7:41
